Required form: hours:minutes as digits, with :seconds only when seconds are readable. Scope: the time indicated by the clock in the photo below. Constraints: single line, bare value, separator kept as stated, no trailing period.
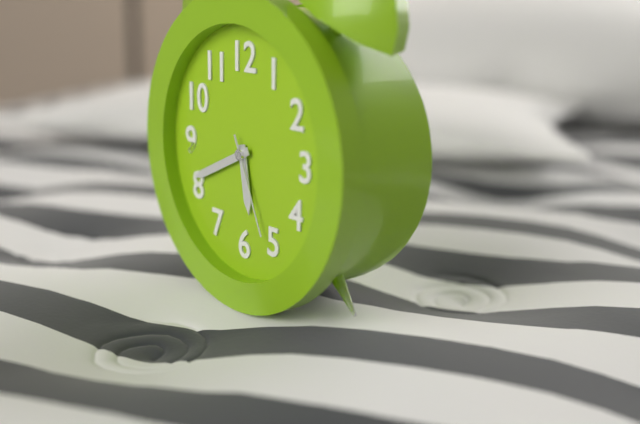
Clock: 5:41:26
